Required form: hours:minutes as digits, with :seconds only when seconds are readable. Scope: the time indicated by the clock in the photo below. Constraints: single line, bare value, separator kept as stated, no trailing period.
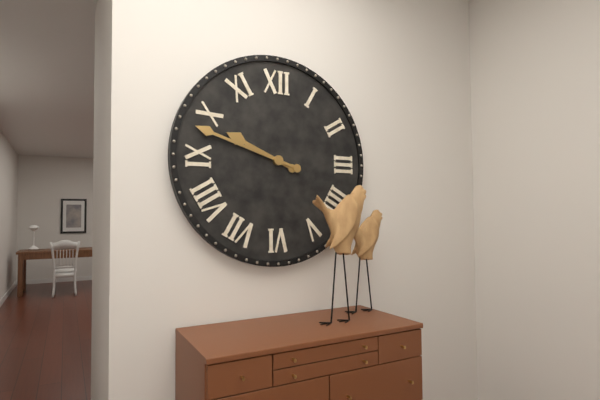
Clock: 9:48
